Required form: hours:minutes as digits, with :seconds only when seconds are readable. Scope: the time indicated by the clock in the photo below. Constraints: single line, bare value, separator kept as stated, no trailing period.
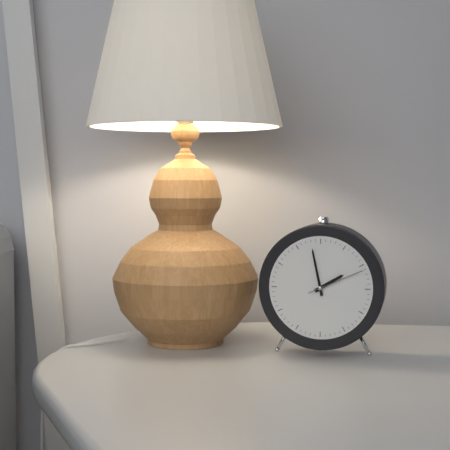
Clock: 1:58:11
